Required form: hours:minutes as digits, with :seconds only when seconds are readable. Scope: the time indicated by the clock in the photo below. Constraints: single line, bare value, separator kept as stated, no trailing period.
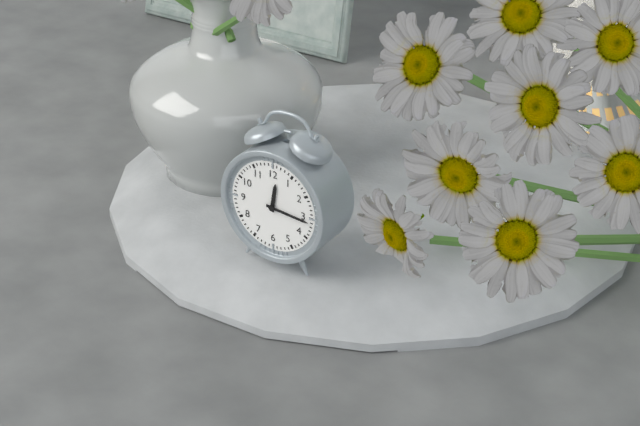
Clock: 12:16
